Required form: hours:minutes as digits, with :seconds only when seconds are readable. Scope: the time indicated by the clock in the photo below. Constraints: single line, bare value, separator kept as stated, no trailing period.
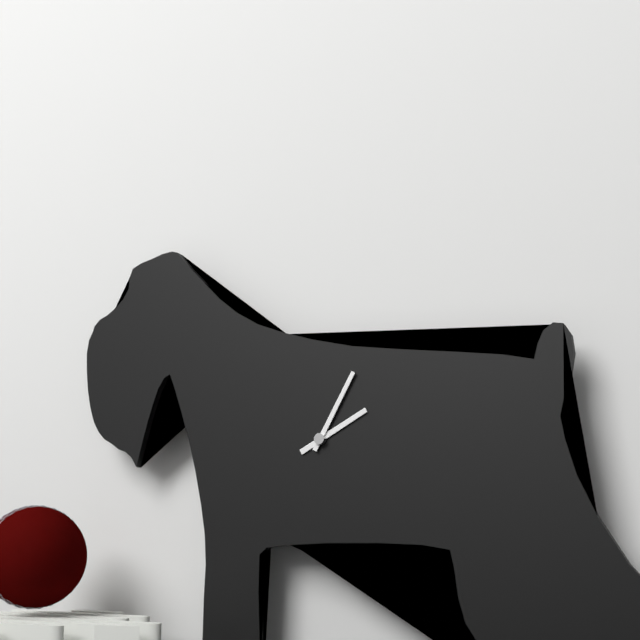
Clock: 2:05
